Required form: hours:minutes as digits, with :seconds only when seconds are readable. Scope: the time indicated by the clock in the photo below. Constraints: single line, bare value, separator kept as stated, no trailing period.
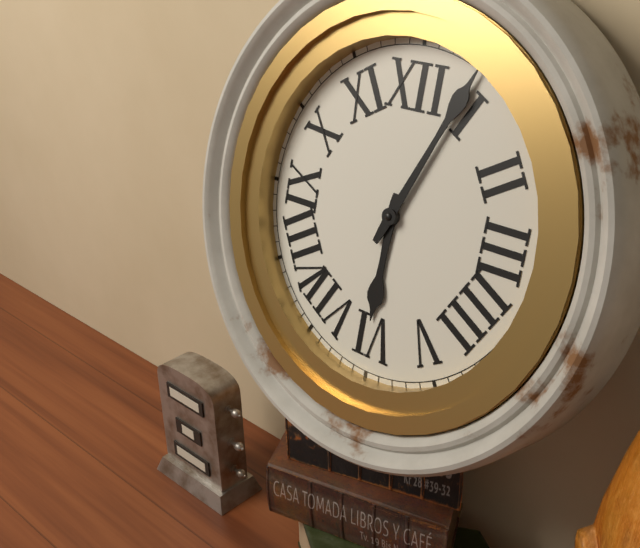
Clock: 6:04
